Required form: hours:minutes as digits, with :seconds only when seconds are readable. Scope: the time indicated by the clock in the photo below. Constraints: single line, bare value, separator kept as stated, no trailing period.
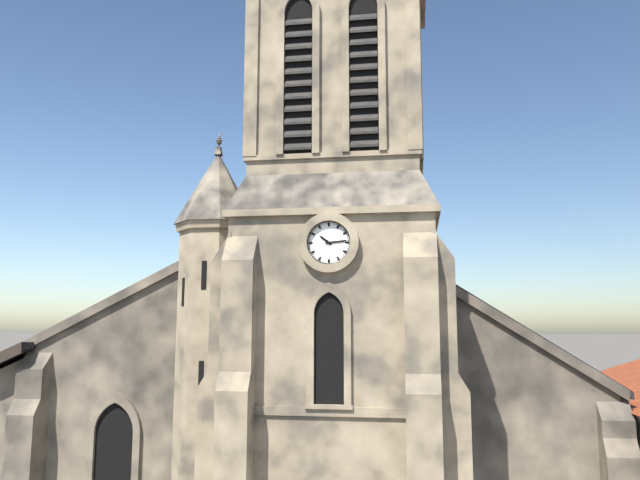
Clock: 10:14
